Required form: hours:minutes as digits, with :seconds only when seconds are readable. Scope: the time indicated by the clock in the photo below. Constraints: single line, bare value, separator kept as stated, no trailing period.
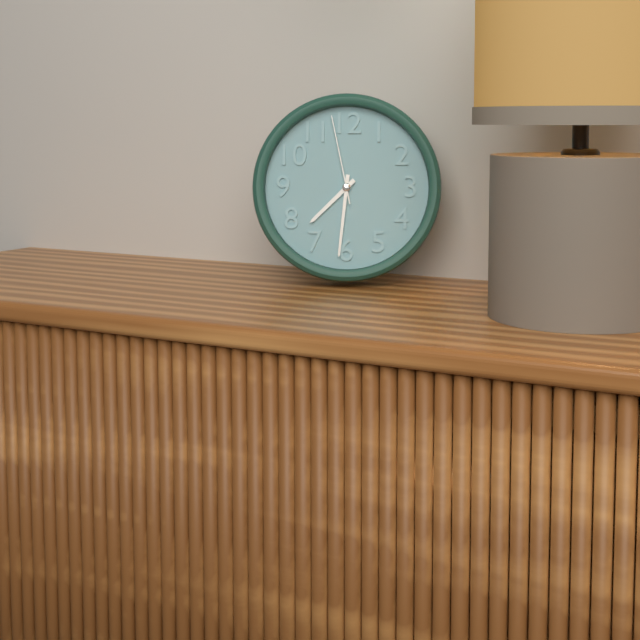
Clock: 7:31:58
